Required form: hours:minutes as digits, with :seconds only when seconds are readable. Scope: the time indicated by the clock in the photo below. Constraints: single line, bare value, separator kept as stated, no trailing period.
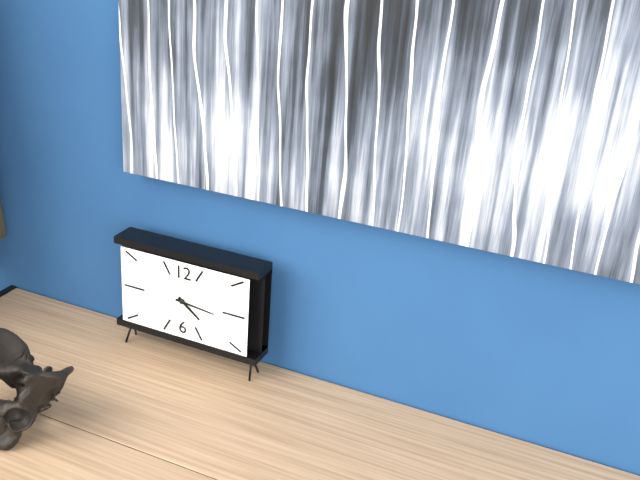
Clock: 4:16
